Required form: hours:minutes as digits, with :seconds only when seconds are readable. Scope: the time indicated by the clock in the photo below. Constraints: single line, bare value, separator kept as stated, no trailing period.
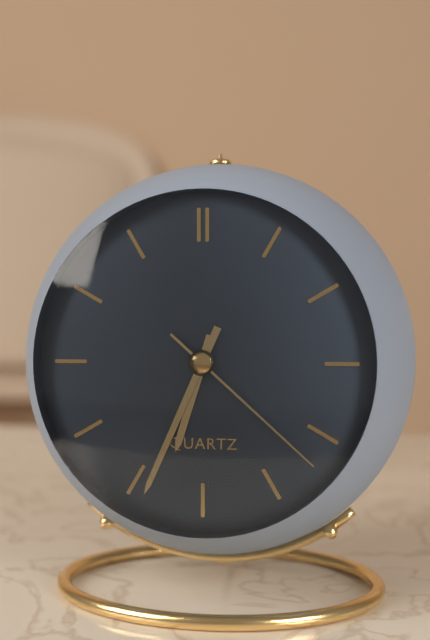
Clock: 6:34:22
